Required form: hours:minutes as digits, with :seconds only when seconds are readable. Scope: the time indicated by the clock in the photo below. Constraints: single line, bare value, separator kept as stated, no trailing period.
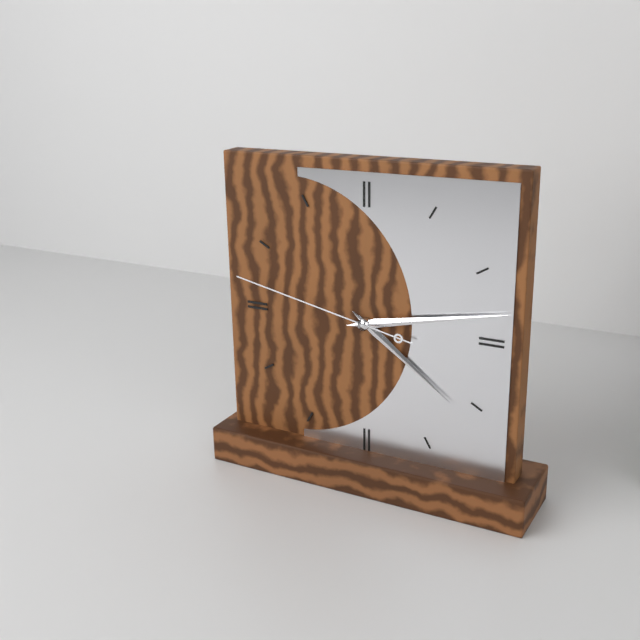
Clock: 4:13:47
